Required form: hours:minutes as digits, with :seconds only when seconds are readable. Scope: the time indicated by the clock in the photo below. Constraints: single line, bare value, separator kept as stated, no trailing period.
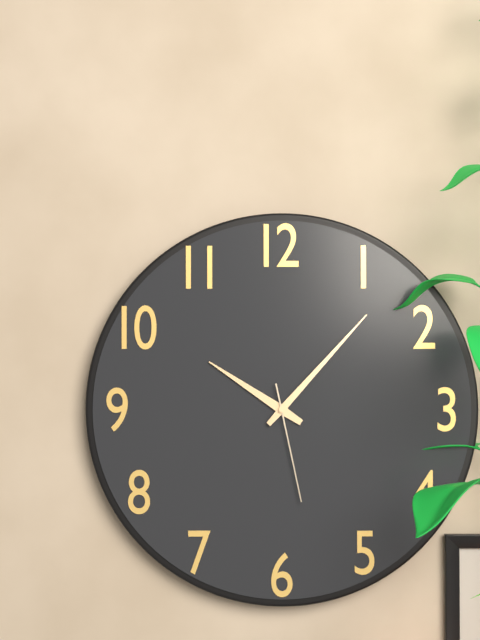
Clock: 10:07:28
